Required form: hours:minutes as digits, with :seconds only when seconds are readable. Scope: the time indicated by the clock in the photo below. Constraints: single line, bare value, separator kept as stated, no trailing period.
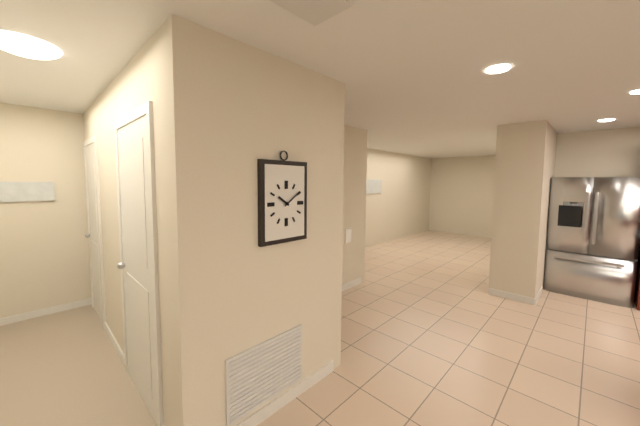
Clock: 10:09
